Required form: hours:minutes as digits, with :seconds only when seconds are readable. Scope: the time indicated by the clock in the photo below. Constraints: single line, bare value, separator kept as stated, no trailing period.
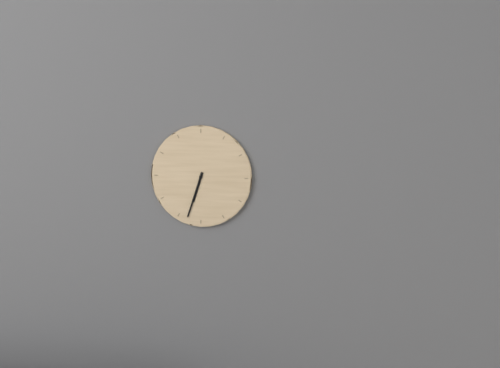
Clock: 6:33
